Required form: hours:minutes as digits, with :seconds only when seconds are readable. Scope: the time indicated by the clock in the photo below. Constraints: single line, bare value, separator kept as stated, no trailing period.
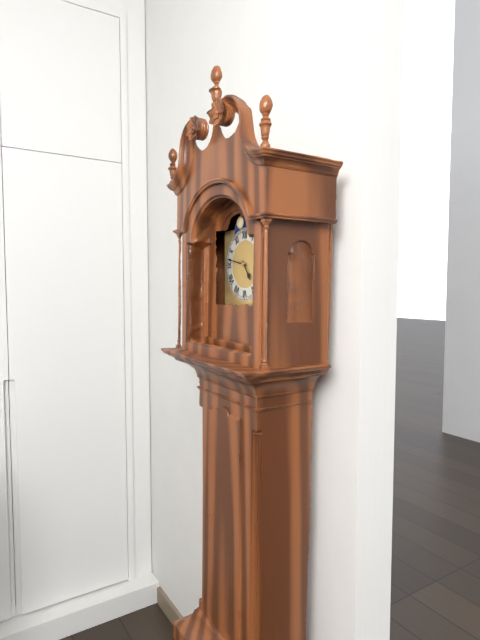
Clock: 4:47
